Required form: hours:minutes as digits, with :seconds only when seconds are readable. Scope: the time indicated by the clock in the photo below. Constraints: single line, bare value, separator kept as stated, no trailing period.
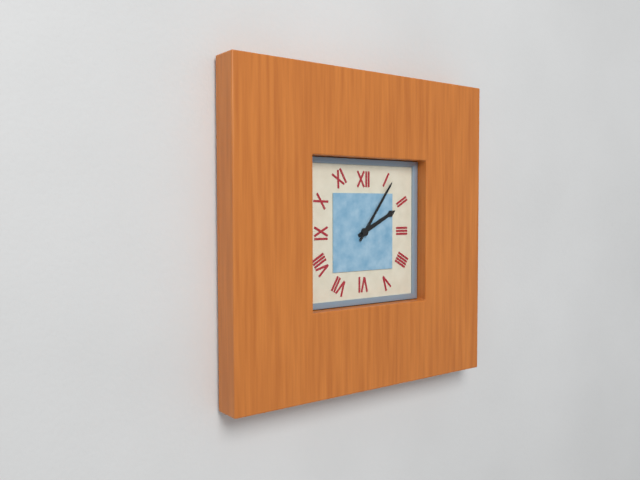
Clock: 2:06
